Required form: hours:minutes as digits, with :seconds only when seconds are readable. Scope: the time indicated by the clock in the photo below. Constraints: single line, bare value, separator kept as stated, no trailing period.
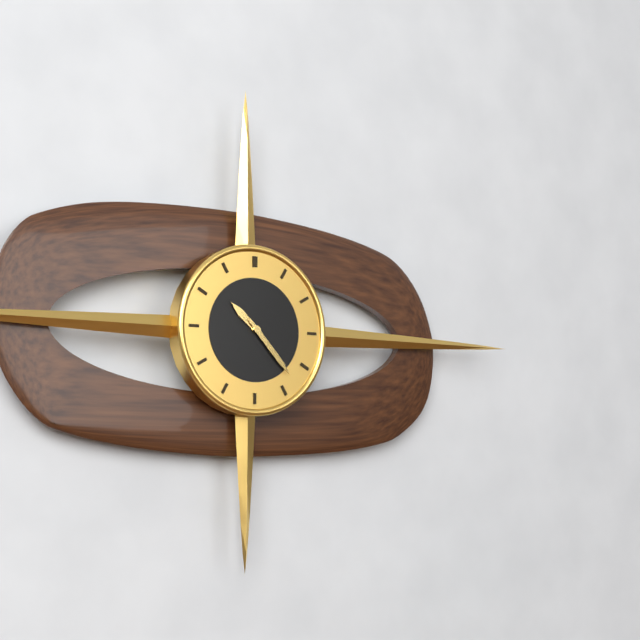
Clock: 10:23
